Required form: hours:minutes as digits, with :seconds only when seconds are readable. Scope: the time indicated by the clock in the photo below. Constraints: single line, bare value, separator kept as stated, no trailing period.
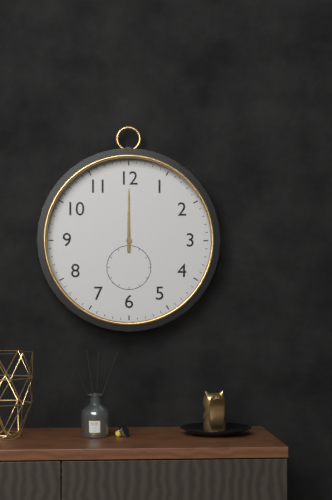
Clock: 12:00
